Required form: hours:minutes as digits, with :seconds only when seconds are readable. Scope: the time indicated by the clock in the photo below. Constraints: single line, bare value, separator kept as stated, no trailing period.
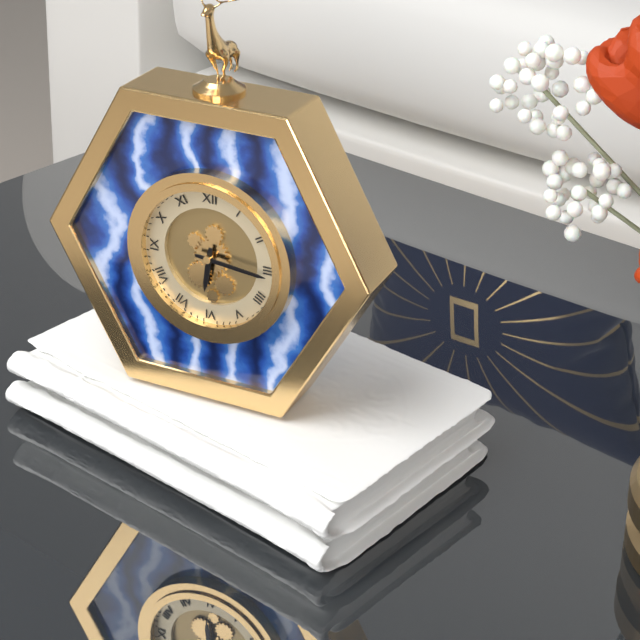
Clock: 6:16
